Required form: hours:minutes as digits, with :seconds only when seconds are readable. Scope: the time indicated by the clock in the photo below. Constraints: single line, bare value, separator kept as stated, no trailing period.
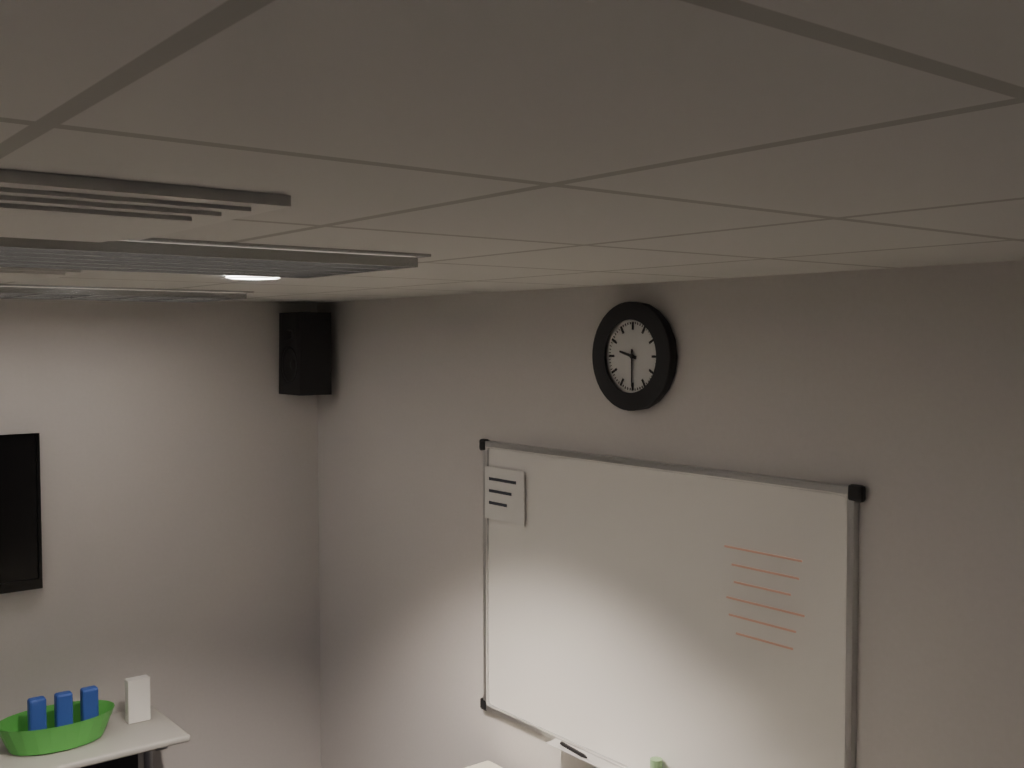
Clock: 9:30
